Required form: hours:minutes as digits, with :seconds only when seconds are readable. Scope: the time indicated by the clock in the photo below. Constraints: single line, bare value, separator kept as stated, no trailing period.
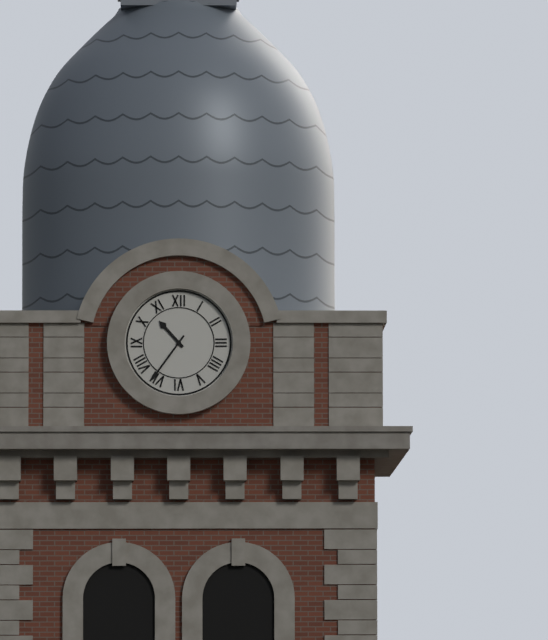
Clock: 10:36
